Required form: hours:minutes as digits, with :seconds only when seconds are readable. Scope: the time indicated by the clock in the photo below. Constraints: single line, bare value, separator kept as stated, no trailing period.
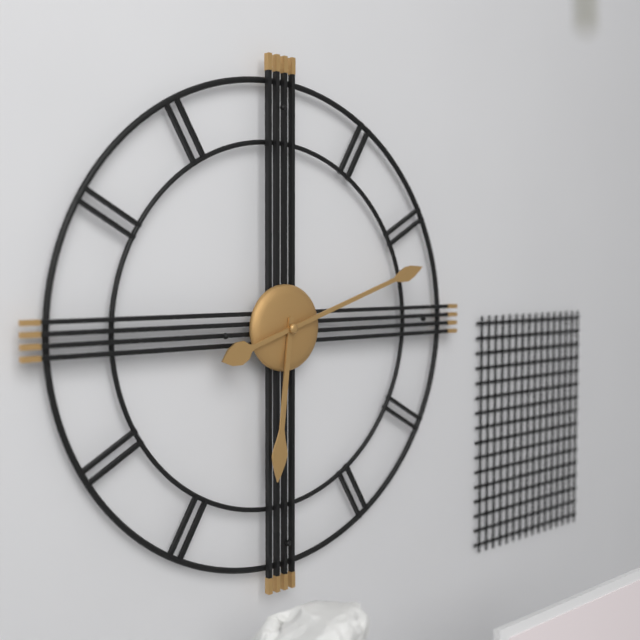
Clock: 6:12
